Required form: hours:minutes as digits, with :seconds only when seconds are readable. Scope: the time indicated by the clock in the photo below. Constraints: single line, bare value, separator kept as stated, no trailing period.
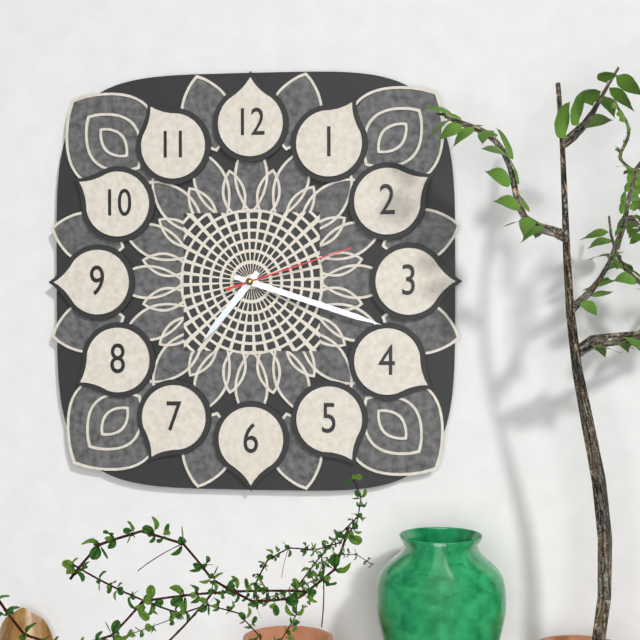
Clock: 7:18:12
